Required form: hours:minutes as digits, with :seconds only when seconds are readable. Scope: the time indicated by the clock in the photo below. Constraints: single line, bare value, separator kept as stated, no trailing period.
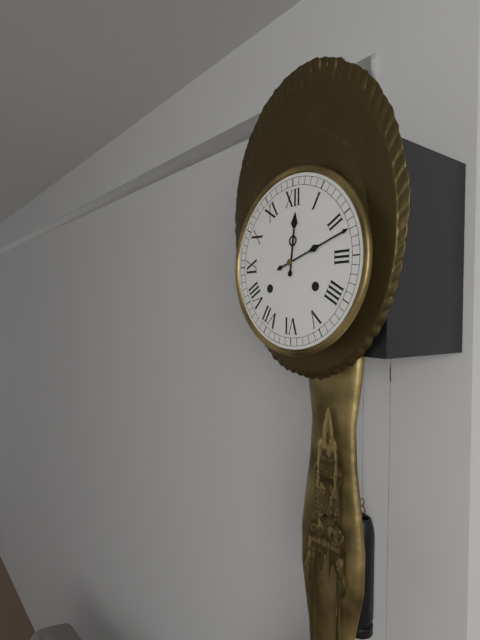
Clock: 12:12
